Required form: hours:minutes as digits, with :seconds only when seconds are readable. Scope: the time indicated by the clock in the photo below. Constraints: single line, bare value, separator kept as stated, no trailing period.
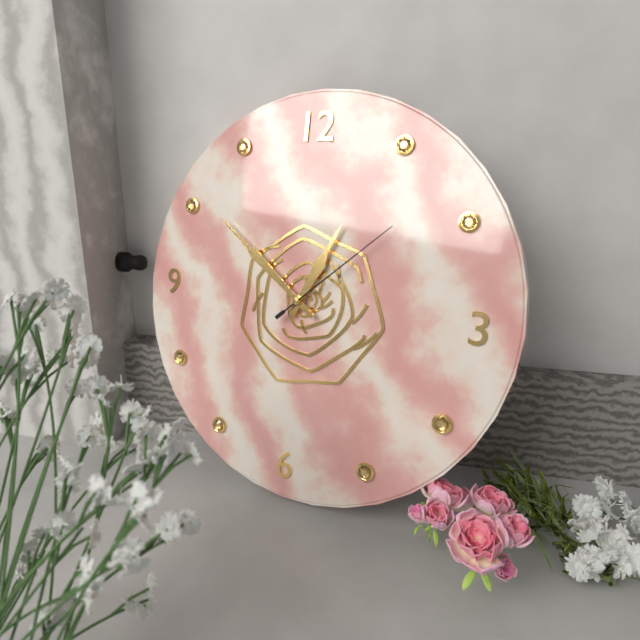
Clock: 12:51:08
